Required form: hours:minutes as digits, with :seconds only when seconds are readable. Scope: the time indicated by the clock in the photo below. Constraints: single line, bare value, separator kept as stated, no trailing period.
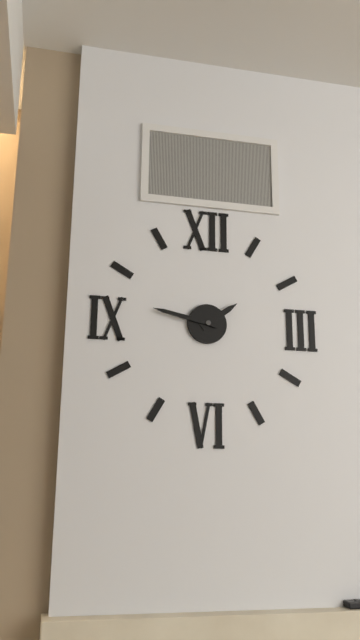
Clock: 1:47
